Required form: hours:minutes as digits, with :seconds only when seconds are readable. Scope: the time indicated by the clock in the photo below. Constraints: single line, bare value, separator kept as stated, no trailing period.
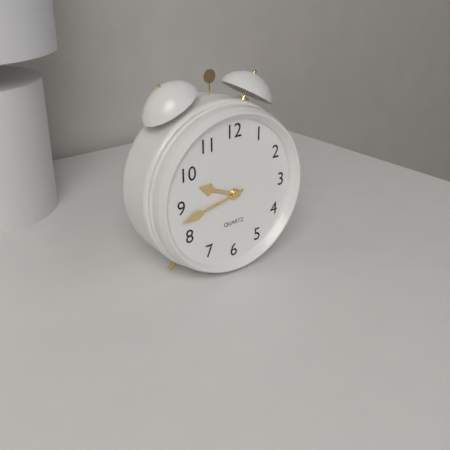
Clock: 9:43
